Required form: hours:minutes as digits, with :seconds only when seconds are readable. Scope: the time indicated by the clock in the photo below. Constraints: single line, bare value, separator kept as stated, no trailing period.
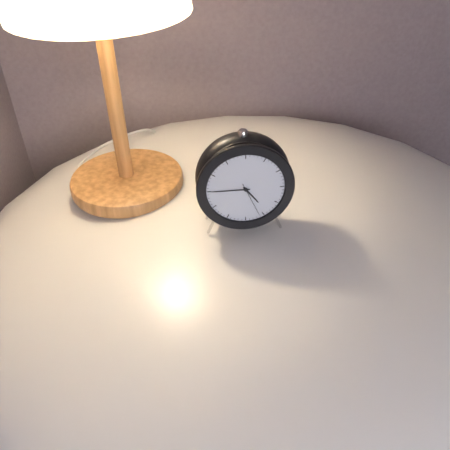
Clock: 4:45
